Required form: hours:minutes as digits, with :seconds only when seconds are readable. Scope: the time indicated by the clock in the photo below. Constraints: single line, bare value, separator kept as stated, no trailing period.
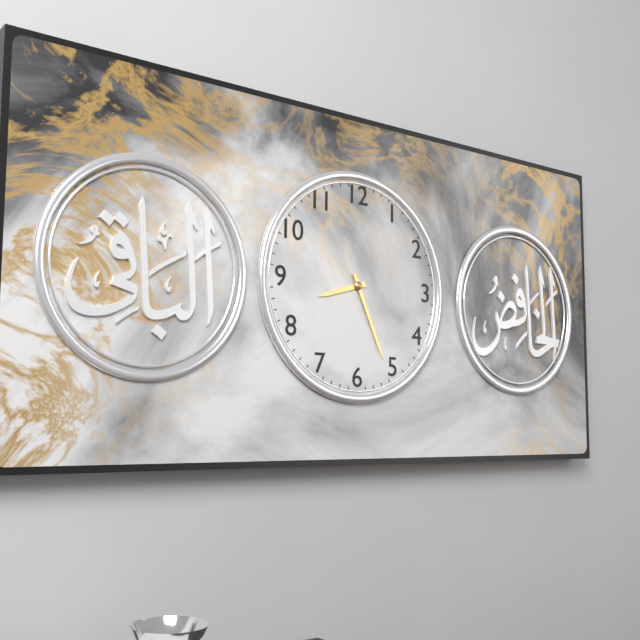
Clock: 8:26
